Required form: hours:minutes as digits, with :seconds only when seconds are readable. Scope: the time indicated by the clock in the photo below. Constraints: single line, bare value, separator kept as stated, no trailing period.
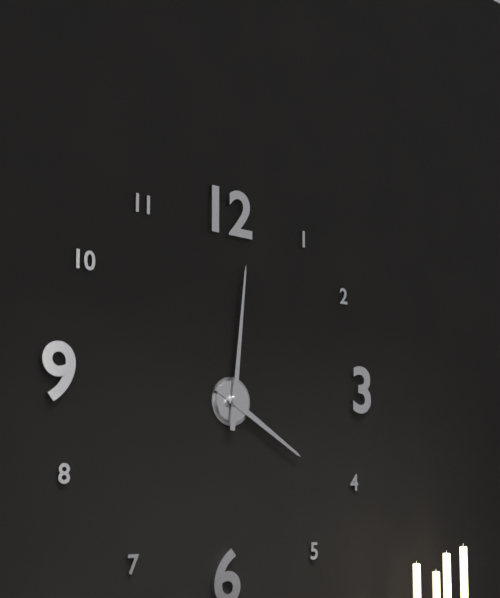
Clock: 4:01
